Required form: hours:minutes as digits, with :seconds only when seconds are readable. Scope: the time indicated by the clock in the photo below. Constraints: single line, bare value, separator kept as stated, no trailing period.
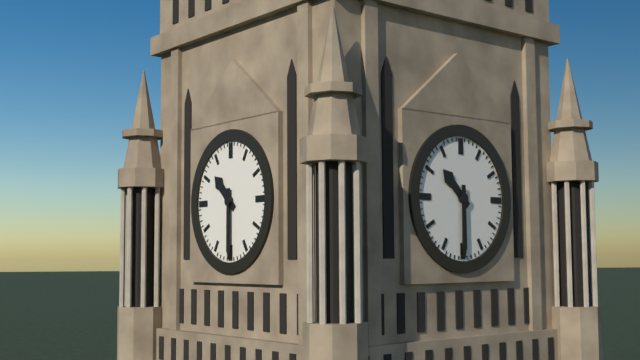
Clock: 10:30
